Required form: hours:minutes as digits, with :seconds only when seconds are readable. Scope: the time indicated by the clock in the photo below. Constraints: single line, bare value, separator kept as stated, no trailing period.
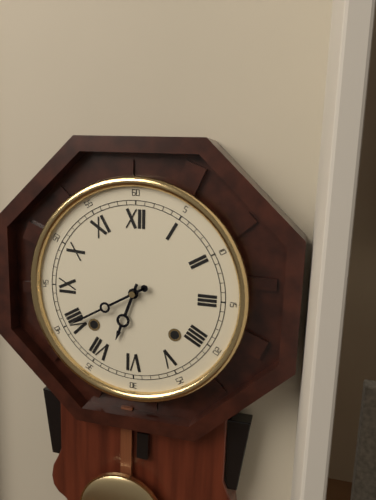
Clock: 6:40
